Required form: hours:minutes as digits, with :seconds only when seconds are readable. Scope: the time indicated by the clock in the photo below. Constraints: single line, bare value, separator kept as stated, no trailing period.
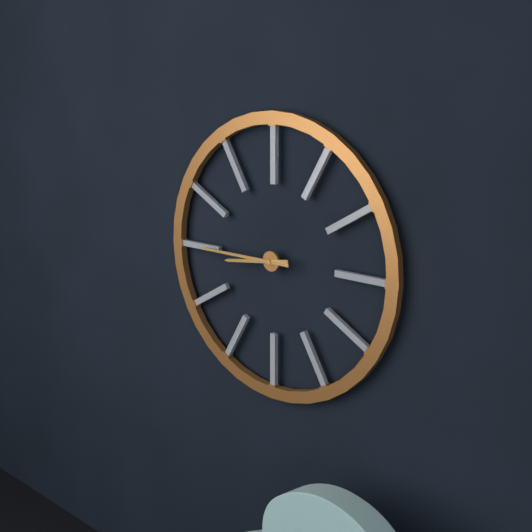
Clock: 8:45
